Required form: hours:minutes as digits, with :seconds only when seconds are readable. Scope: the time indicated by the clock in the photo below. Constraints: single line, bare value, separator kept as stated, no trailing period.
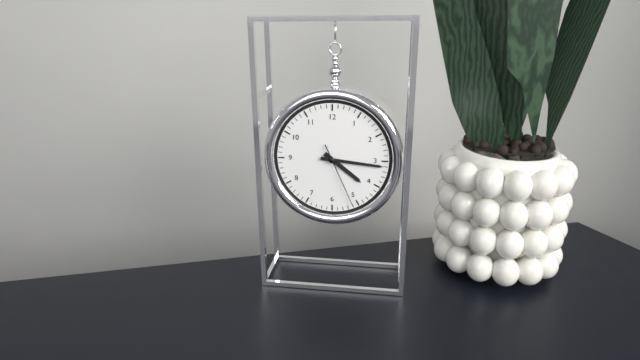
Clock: 4:16:26
